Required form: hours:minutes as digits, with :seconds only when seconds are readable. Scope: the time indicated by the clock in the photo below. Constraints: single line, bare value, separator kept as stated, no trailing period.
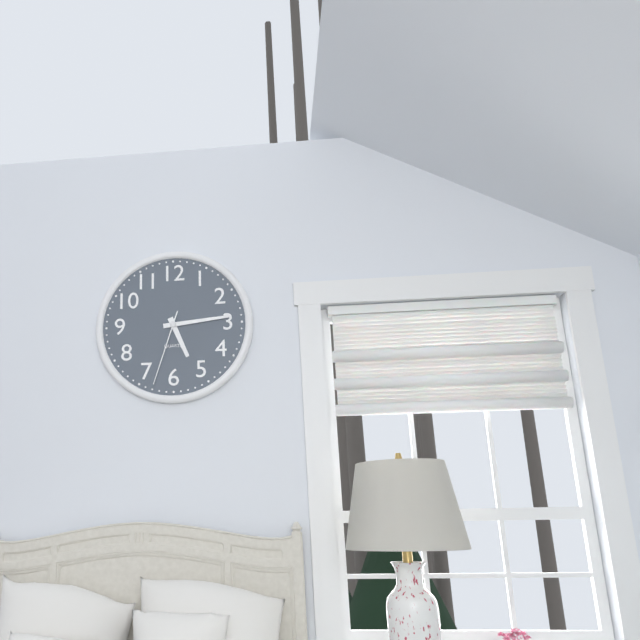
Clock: 5:14:33
